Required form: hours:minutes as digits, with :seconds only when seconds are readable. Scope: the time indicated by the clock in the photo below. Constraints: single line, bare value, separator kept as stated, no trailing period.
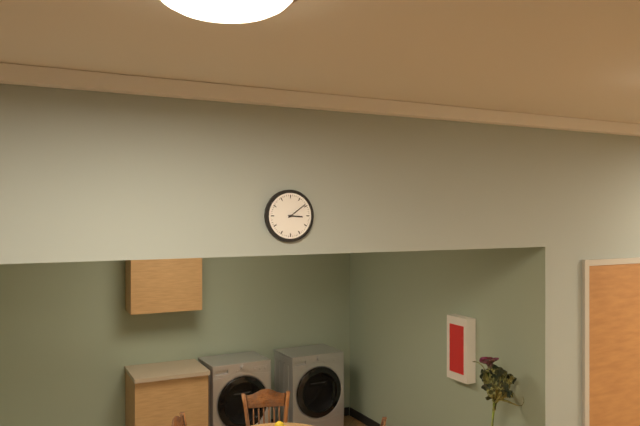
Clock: 3:09
